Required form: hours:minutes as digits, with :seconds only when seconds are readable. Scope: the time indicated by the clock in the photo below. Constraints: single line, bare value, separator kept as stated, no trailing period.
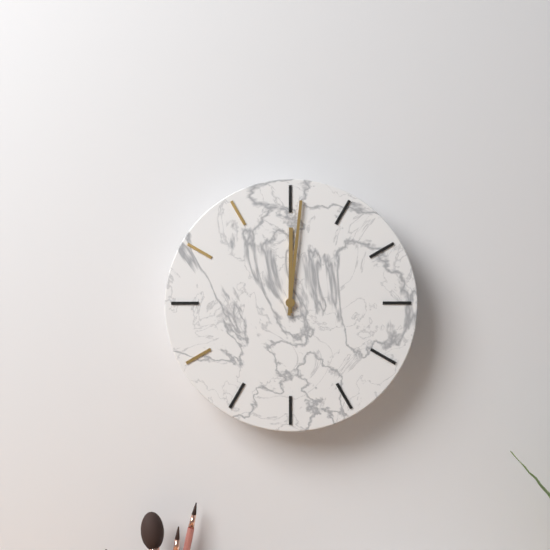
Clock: 12:01
